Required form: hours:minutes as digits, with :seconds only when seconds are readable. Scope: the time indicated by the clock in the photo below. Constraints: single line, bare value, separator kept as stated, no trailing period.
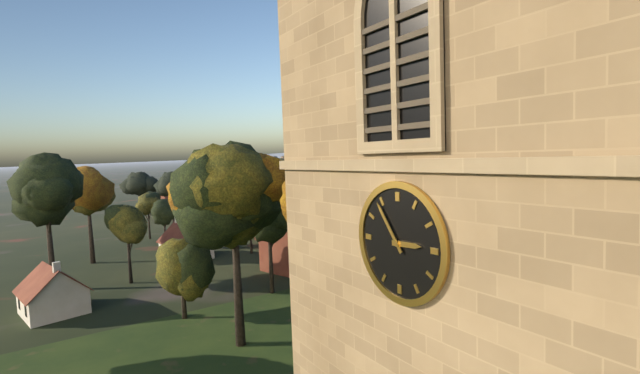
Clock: 2:54
